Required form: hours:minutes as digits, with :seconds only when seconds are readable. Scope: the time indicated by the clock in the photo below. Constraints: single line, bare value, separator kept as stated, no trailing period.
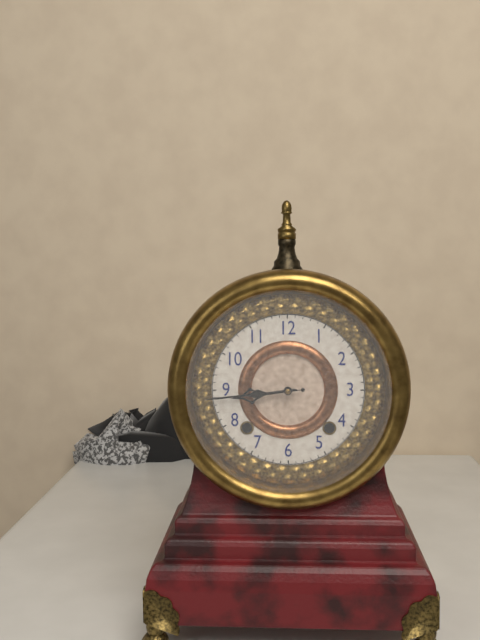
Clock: 8:44:44
